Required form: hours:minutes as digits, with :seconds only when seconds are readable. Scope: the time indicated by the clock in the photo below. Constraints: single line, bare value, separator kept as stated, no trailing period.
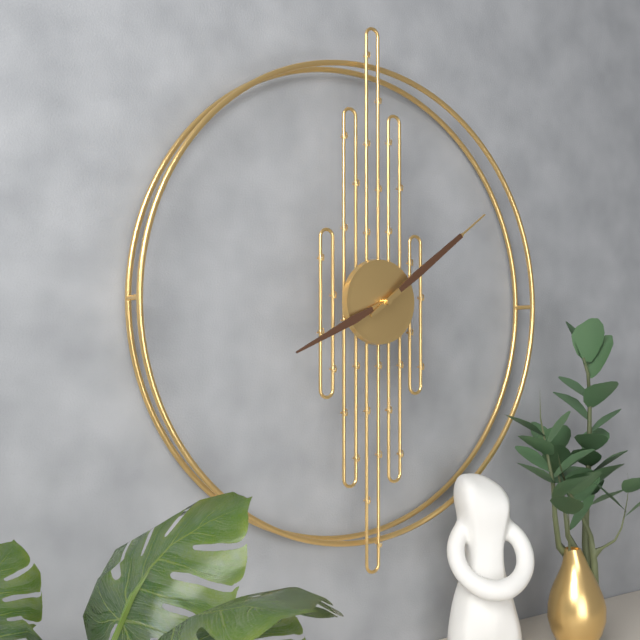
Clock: 8:09
